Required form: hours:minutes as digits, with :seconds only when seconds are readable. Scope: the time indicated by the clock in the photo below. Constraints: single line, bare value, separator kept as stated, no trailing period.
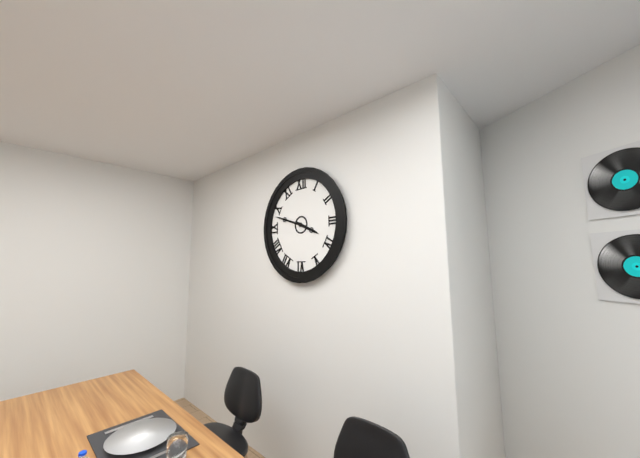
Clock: 3:48
